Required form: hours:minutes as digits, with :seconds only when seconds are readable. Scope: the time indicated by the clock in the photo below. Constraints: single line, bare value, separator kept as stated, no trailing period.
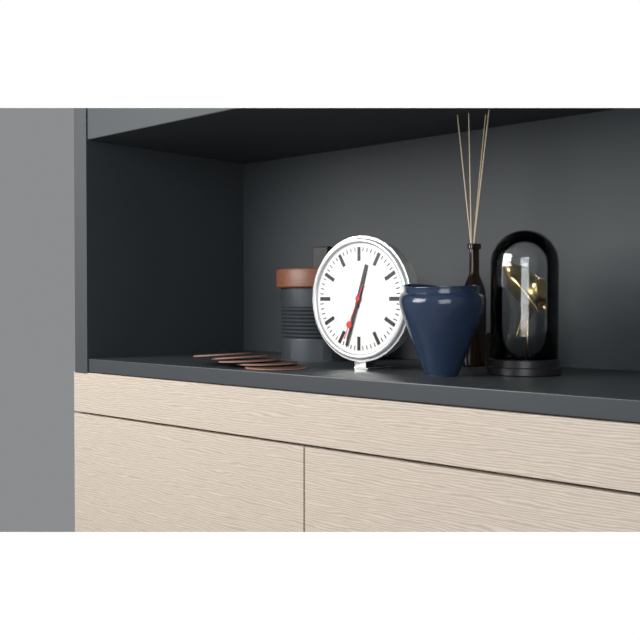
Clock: 12:33:34
